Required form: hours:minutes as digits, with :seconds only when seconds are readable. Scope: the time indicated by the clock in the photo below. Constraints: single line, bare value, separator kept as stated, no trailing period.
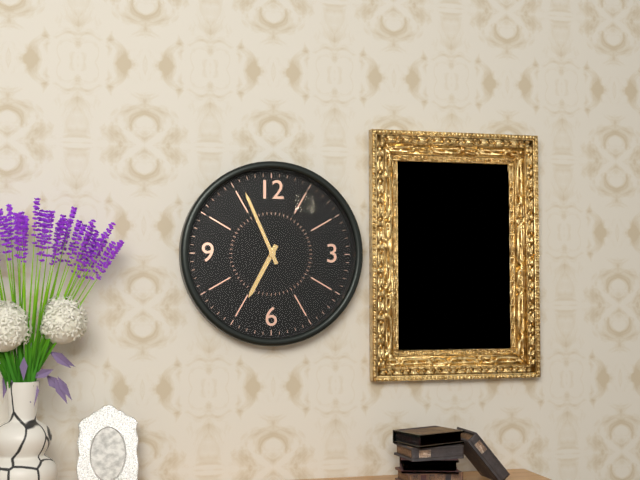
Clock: 6:56
